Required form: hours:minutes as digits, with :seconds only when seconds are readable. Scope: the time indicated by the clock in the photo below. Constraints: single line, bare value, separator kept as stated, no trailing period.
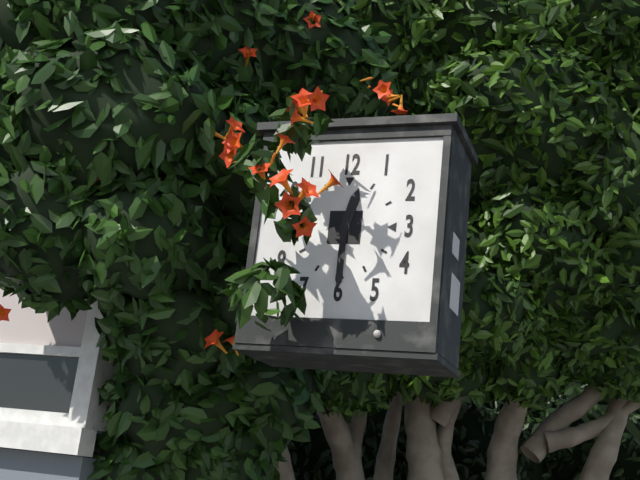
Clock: 12:30
